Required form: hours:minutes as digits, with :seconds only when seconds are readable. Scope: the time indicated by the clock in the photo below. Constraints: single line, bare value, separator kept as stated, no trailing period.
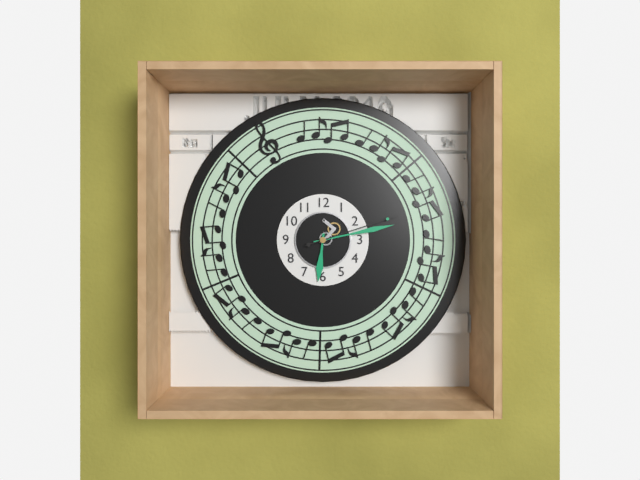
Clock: 6:13:12
